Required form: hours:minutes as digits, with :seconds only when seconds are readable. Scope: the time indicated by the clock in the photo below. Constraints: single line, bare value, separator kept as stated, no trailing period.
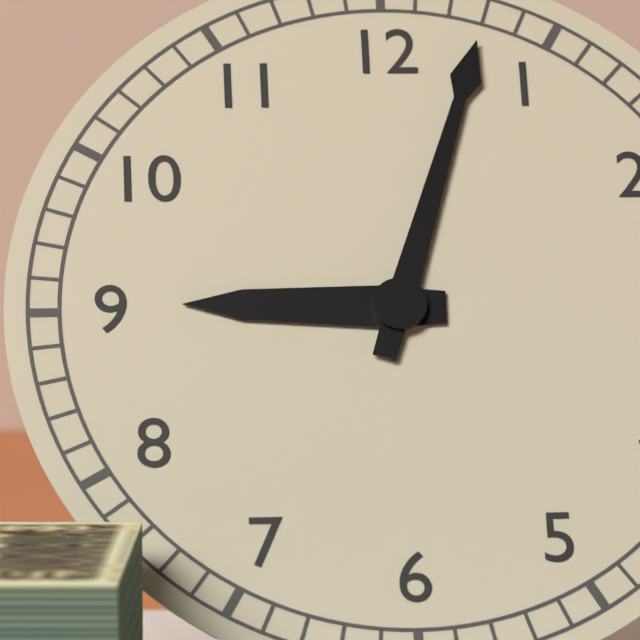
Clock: 9:03
